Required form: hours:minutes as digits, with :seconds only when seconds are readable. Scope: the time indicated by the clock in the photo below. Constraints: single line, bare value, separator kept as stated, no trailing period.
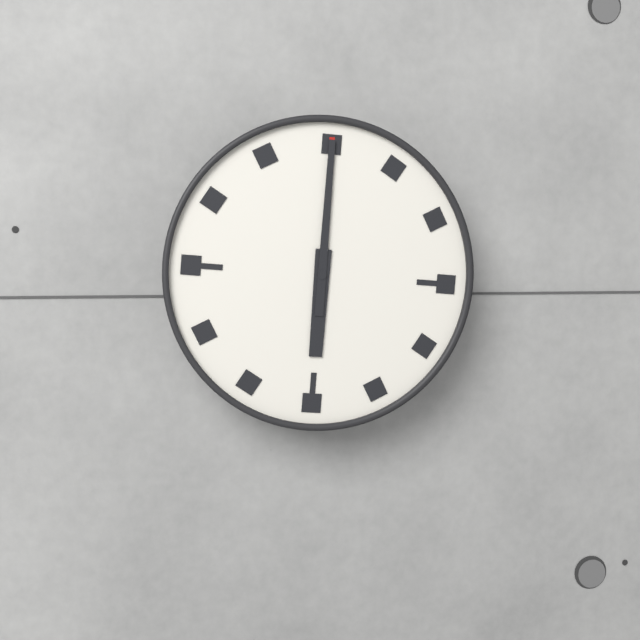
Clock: 6:00
